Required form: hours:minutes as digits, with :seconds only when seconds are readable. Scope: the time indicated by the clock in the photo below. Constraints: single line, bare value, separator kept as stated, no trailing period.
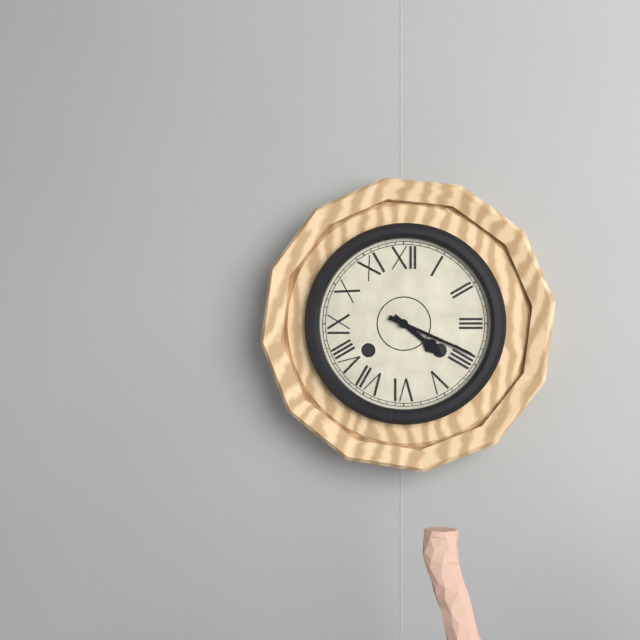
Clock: 4:19
